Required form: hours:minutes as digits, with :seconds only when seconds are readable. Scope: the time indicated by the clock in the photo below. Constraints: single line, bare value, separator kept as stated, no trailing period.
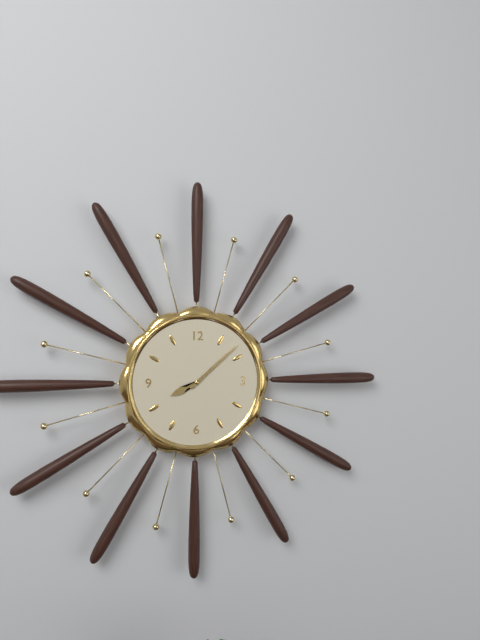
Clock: 8:08
